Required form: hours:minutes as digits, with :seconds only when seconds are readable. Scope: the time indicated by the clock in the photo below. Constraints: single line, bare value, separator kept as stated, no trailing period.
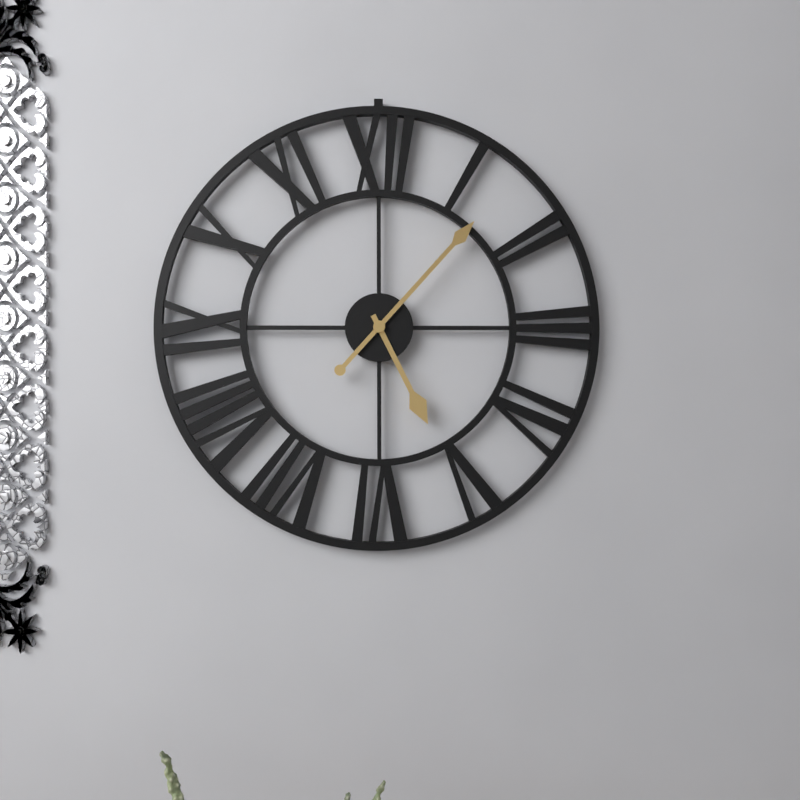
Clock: 5:07
